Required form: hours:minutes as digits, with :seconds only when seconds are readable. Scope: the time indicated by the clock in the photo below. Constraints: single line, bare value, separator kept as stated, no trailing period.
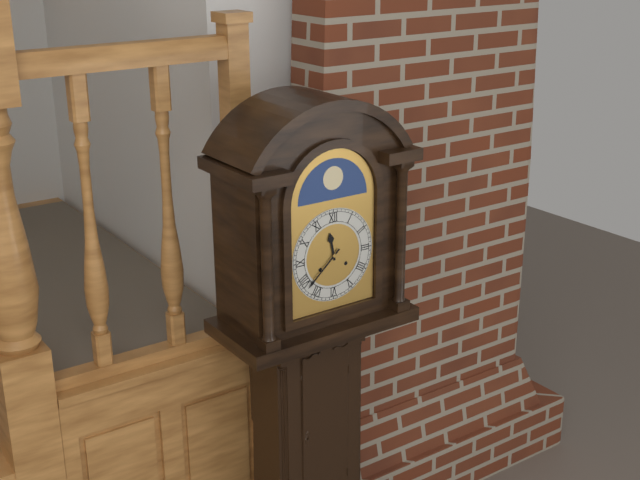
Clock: 11:38
